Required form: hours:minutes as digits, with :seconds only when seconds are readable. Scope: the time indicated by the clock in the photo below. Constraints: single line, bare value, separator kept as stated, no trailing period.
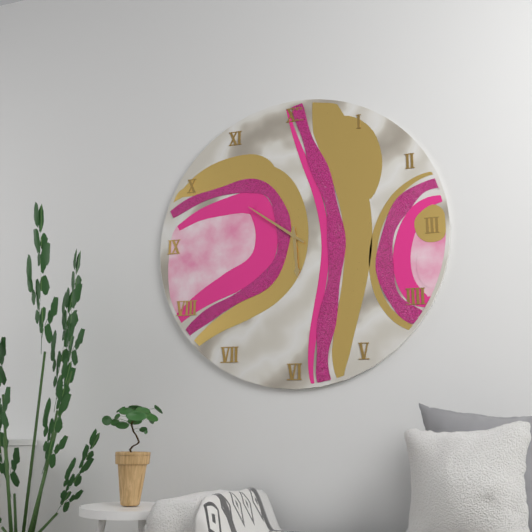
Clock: 5:51
